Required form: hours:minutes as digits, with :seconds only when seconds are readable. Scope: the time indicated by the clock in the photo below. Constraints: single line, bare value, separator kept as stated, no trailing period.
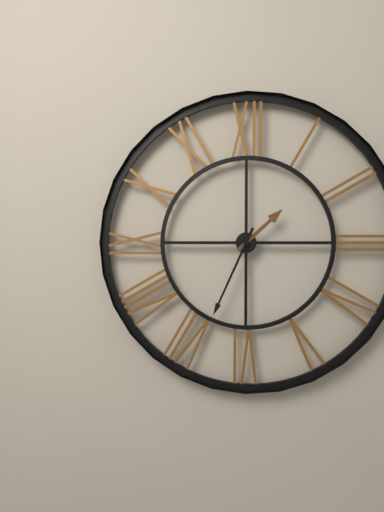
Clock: 1:34
